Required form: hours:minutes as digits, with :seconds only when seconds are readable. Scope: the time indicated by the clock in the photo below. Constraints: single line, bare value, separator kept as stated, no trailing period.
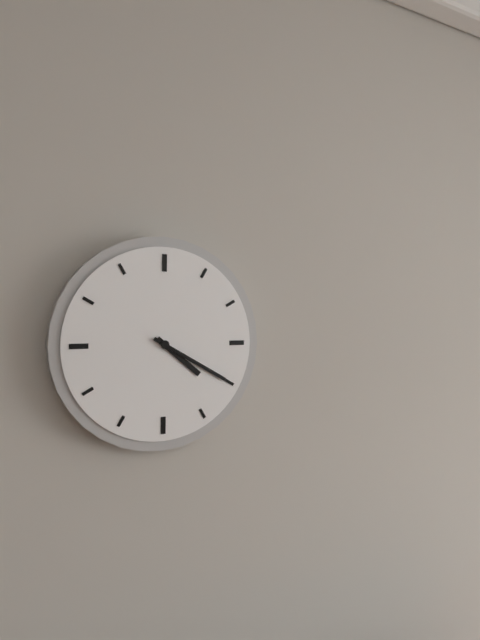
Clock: 4:20
